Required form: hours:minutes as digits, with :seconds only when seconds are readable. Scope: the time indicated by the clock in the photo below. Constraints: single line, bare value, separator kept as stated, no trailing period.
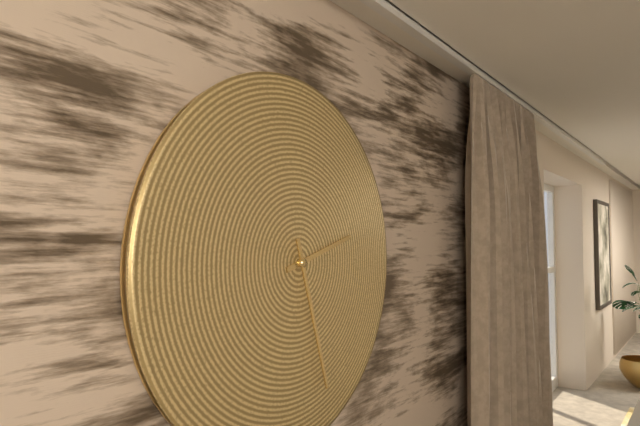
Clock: 2:27
